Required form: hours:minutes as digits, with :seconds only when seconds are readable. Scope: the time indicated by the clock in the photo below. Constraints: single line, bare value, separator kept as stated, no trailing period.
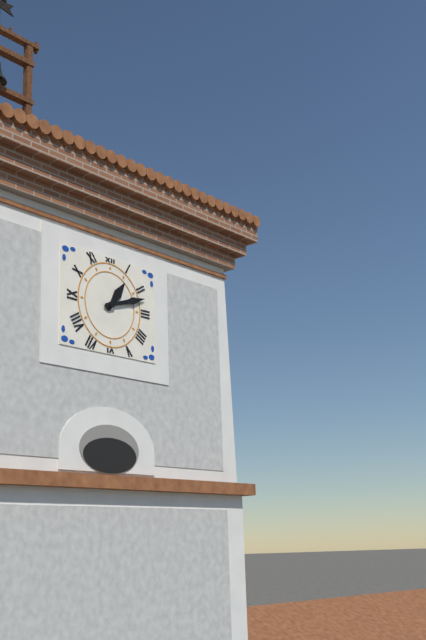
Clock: 1:12
